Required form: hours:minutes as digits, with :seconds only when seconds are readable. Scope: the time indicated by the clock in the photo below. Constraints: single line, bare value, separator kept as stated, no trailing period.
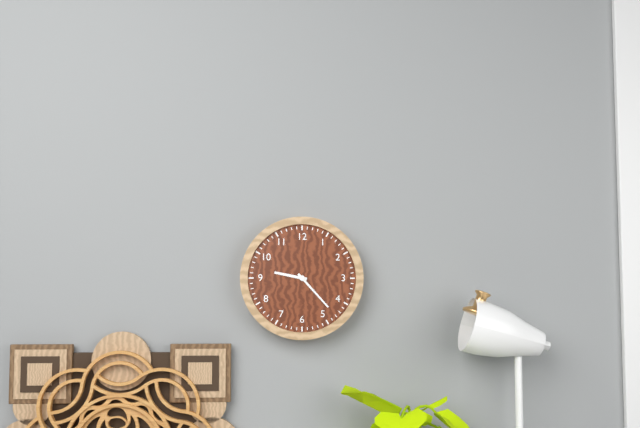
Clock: 9:23
